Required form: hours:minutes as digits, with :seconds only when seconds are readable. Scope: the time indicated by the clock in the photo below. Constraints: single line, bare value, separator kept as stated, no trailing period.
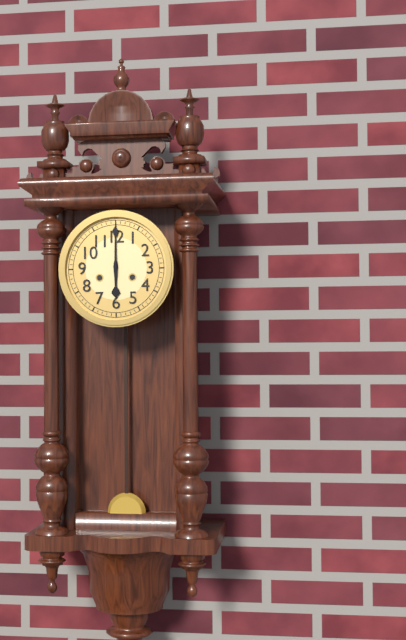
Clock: 6:00
